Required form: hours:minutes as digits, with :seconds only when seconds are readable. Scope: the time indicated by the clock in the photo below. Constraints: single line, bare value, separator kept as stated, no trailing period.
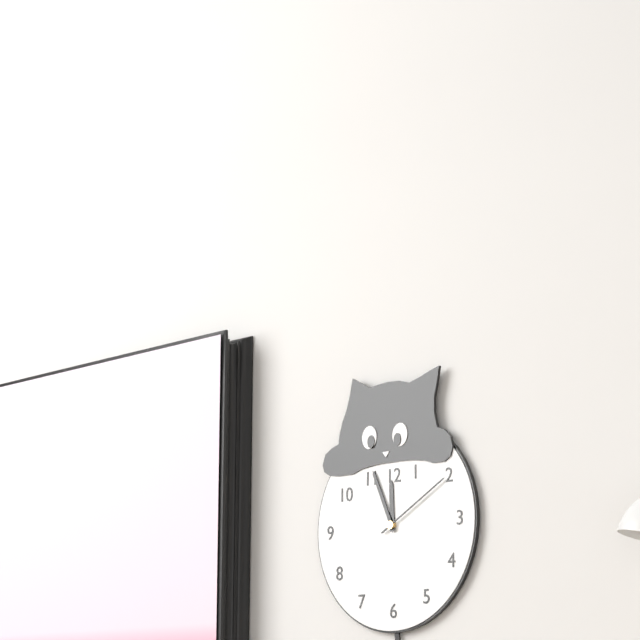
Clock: 11:56:10
